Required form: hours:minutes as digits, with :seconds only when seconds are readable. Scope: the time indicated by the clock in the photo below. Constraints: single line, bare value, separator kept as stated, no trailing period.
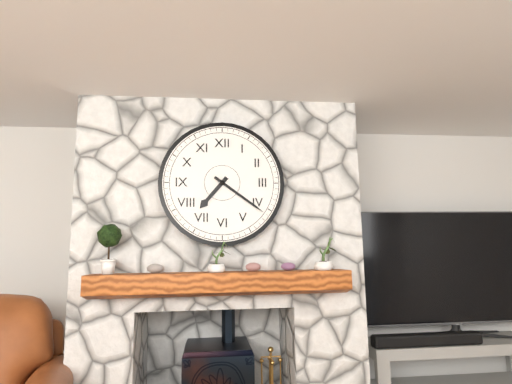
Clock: 7:21
